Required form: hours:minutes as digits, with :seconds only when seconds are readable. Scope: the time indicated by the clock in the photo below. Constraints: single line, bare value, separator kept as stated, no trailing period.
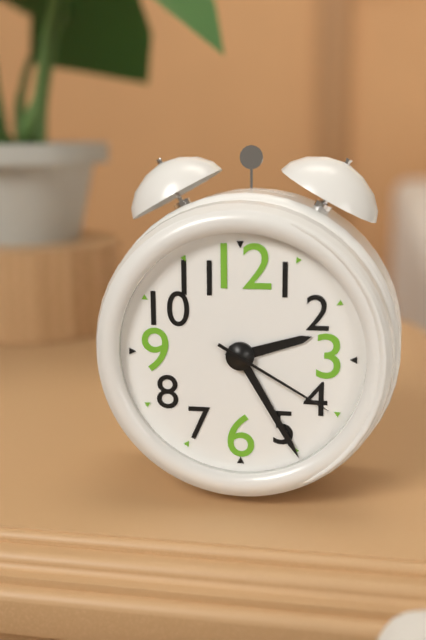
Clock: 2:25:20
